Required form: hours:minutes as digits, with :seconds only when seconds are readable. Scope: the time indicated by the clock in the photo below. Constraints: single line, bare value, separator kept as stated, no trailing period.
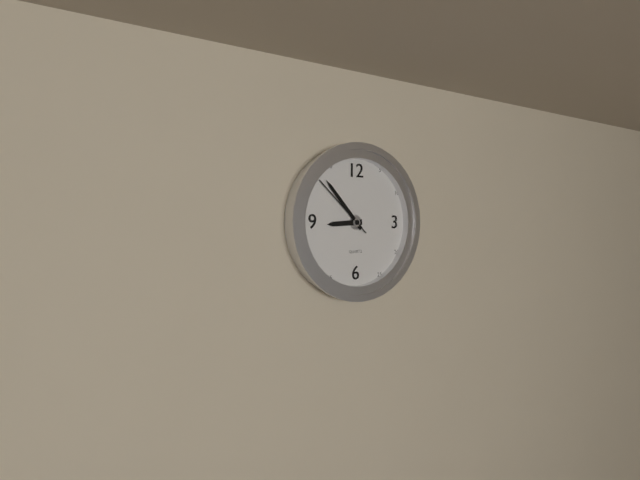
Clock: 8:53:52
